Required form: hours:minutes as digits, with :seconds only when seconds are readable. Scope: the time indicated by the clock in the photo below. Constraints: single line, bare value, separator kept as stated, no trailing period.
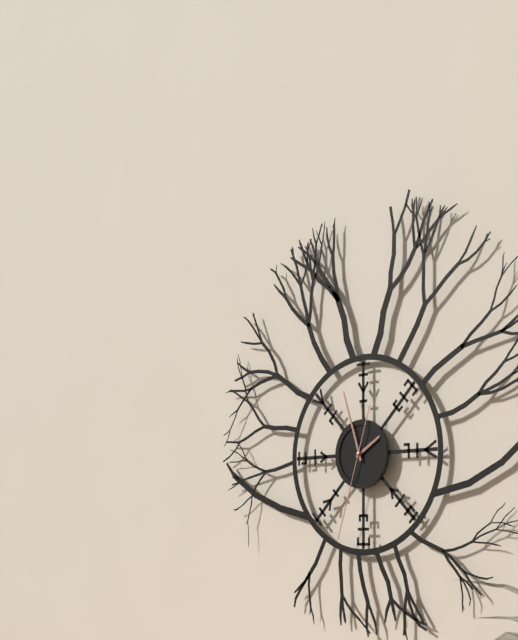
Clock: 1:57:33
